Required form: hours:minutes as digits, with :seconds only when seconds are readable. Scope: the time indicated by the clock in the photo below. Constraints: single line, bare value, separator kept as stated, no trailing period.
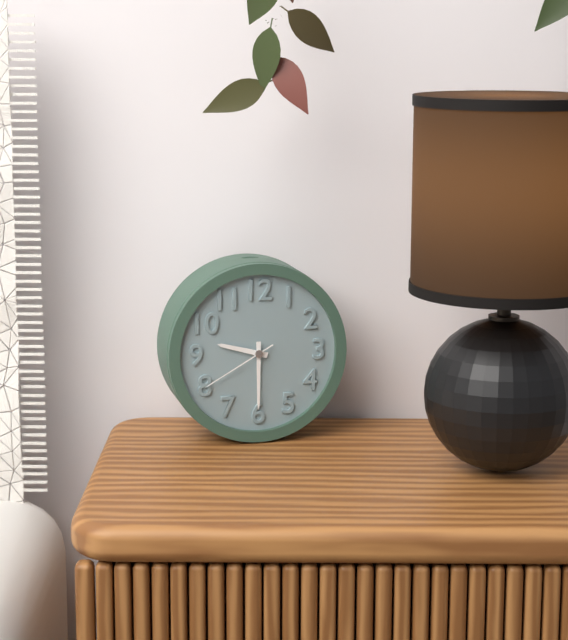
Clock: 9:30:40
